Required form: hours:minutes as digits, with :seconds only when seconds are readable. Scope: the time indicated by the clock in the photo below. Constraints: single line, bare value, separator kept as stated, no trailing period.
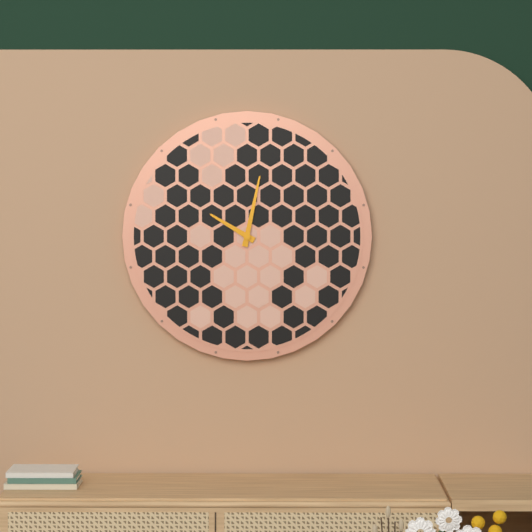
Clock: 10:02
